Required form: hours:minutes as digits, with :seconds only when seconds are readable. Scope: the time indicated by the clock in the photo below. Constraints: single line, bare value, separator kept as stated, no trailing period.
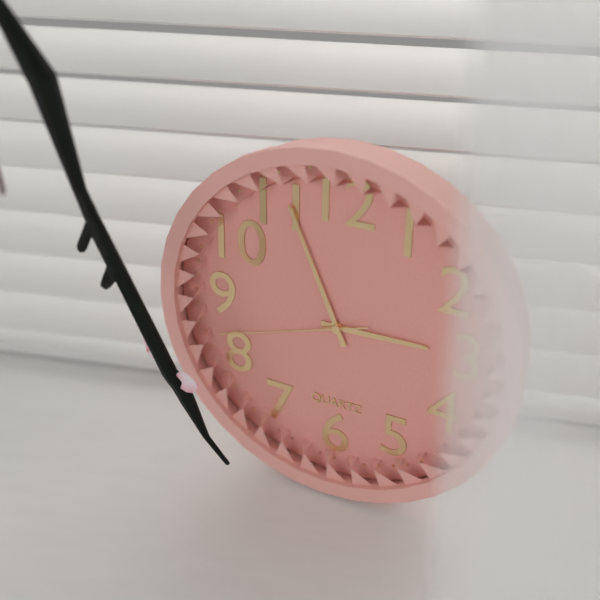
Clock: 2:56:42
